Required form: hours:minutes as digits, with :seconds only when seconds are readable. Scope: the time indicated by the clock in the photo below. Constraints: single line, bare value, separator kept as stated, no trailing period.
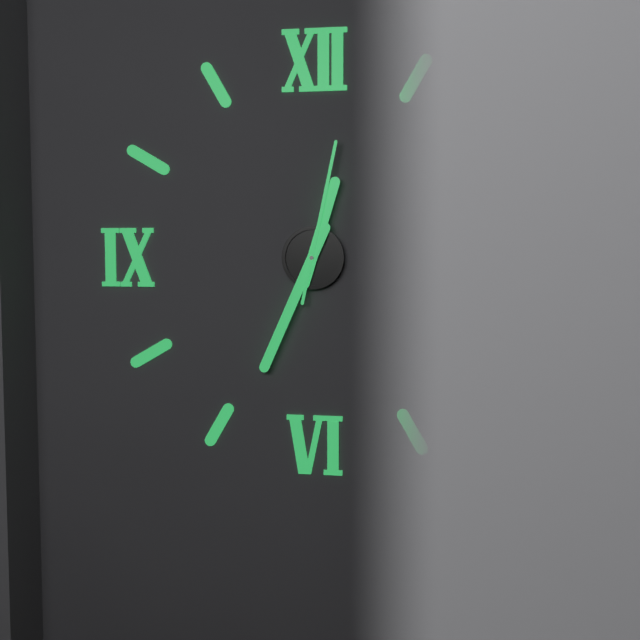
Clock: 12:34:02
